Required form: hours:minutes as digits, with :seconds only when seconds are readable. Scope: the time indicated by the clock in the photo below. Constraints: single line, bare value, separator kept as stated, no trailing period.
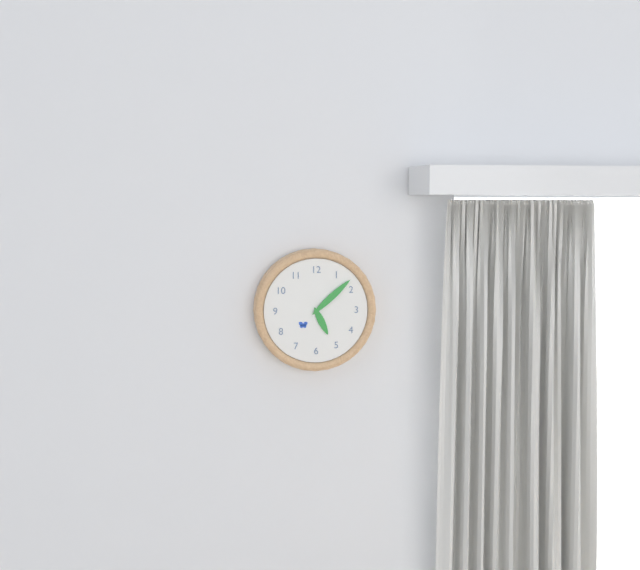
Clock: 5:08
